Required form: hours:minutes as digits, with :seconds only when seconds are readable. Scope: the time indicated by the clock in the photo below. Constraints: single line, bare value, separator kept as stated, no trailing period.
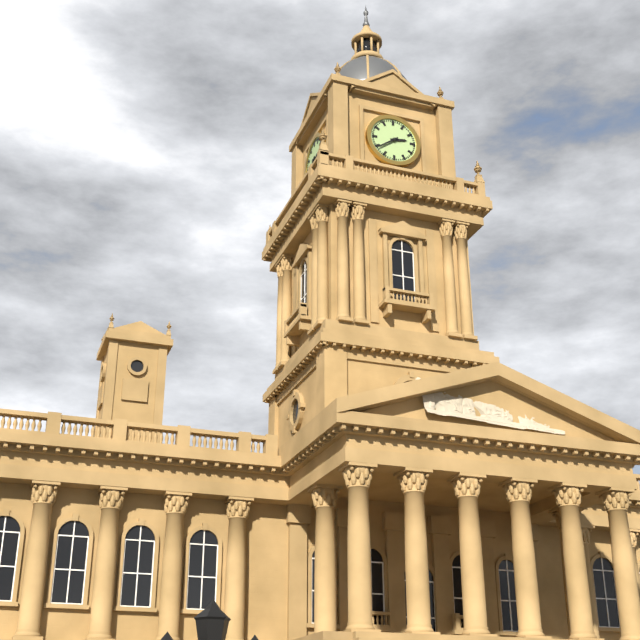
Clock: 2:39
